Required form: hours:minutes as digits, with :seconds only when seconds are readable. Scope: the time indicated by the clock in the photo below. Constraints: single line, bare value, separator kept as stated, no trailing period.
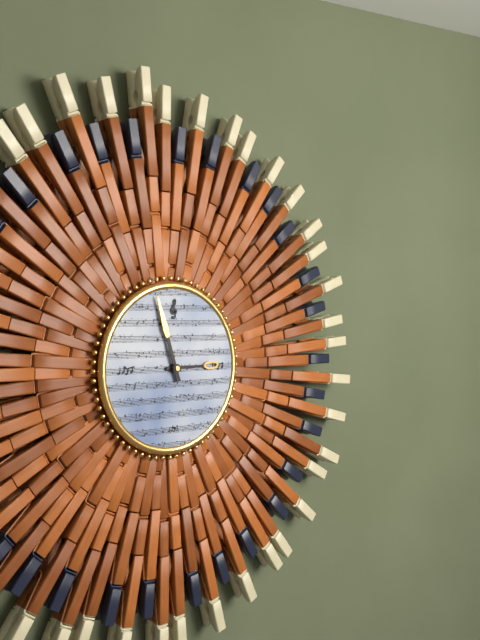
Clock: 2:57
